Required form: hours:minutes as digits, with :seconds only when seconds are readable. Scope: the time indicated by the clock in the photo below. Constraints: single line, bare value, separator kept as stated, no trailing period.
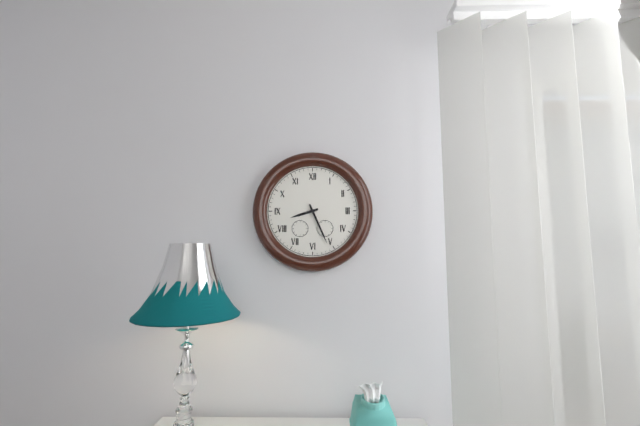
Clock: 8:26
